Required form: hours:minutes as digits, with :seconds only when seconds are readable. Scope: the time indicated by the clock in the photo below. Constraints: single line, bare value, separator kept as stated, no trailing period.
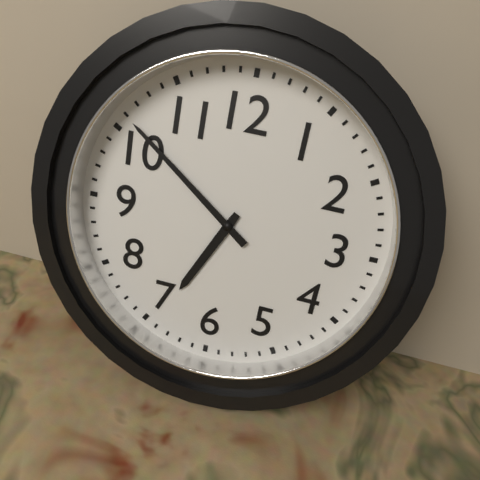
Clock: 6:51
